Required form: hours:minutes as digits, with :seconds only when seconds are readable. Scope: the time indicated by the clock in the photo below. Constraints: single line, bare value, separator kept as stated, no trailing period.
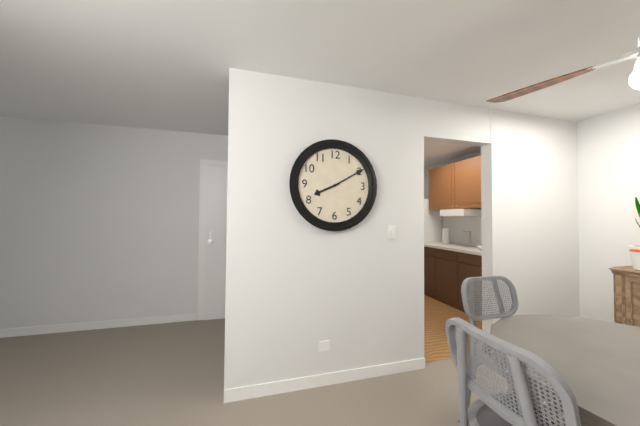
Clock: 8:10
